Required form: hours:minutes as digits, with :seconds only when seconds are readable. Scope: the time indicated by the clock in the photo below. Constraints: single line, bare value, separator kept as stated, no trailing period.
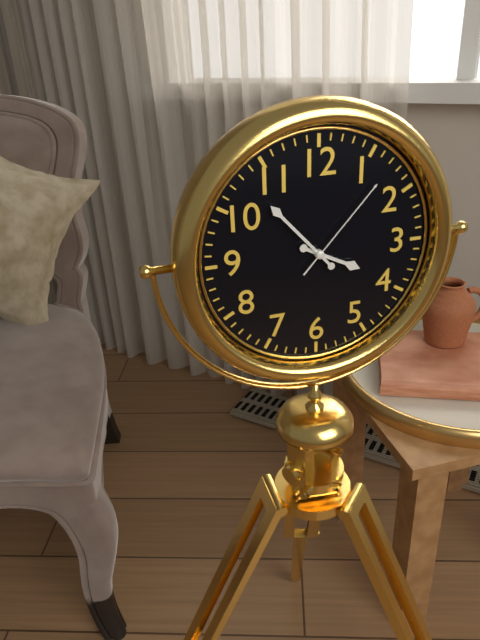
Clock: 3:53:07
